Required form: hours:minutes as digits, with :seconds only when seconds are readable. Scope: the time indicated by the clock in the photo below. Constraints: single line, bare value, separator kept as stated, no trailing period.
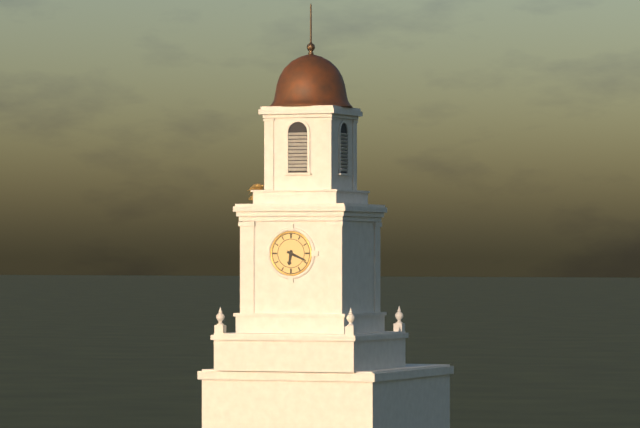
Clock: 6:19
